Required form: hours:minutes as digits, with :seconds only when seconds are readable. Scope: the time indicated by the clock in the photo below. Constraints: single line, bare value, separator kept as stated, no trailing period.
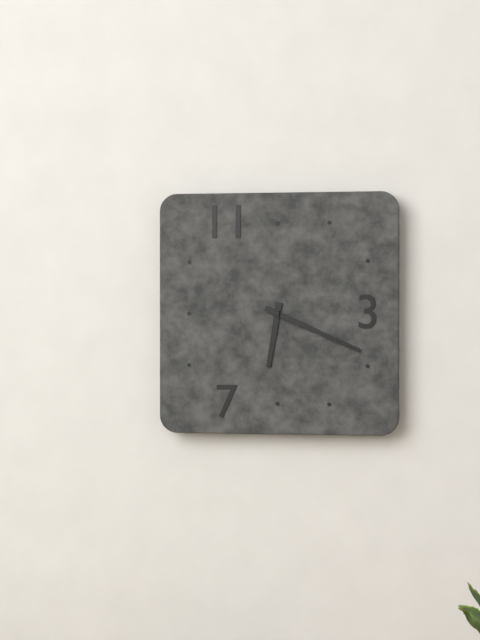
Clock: 6:19
